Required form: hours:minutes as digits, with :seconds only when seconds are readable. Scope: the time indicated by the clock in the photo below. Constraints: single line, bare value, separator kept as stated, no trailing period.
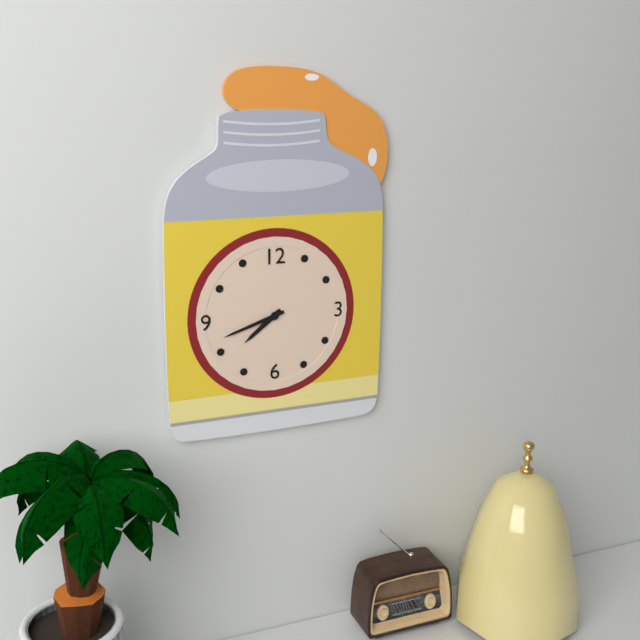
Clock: 7:42
